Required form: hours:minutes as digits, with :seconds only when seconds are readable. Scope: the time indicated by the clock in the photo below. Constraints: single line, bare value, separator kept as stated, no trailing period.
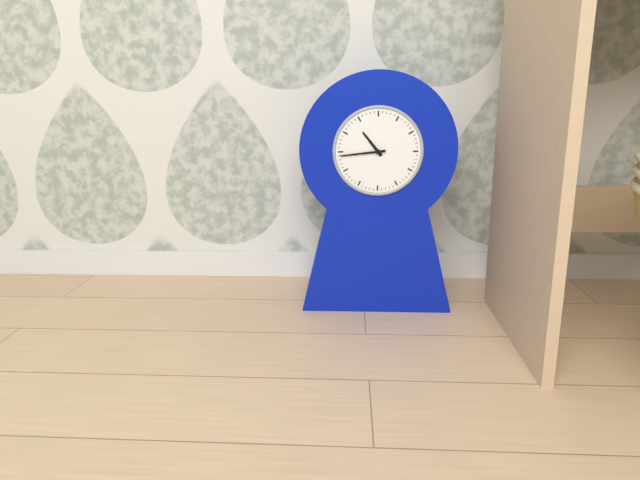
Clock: 10:44
